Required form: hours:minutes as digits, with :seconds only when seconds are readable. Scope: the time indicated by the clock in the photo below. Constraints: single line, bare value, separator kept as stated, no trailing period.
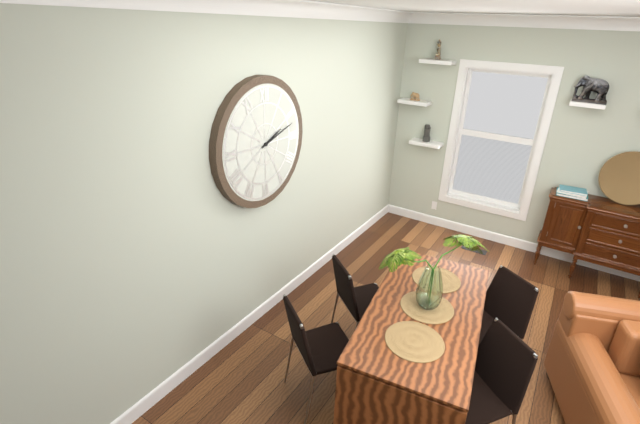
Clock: 2:12
